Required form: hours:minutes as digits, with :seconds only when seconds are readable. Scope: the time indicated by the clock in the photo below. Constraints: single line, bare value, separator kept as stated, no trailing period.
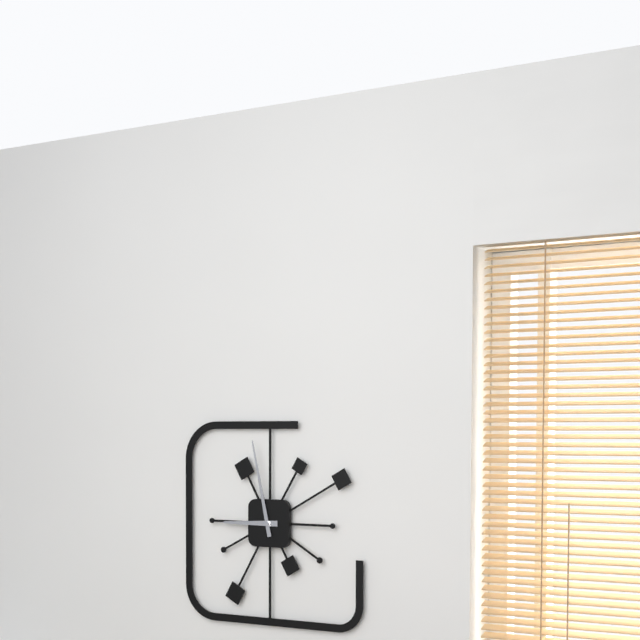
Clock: 8:58
